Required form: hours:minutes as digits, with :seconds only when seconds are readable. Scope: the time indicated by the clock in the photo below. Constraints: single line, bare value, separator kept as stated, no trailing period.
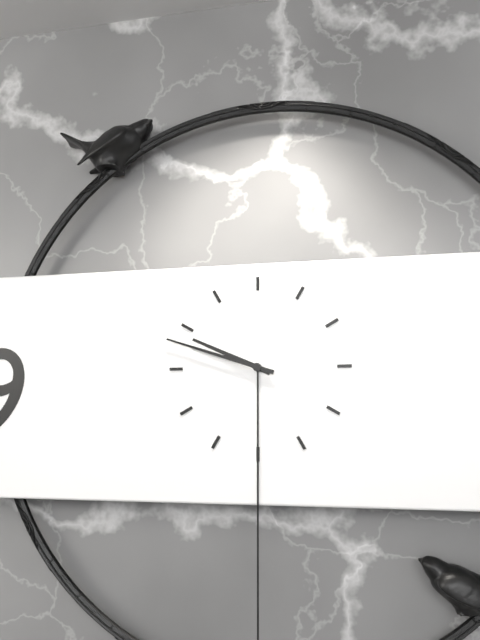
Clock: 9:48
